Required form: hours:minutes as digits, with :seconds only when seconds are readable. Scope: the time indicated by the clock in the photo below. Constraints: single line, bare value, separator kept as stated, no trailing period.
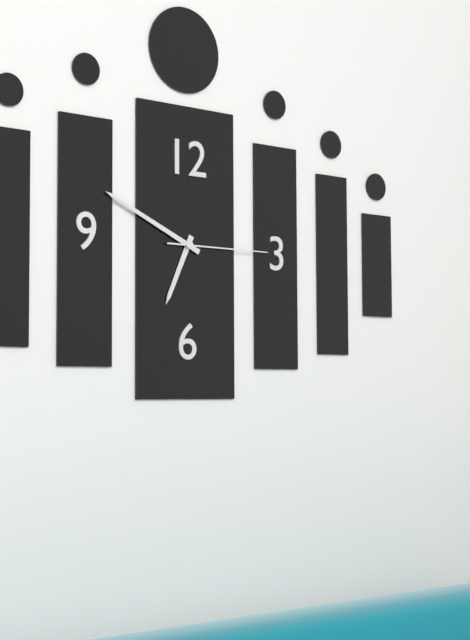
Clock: 6:49:15
